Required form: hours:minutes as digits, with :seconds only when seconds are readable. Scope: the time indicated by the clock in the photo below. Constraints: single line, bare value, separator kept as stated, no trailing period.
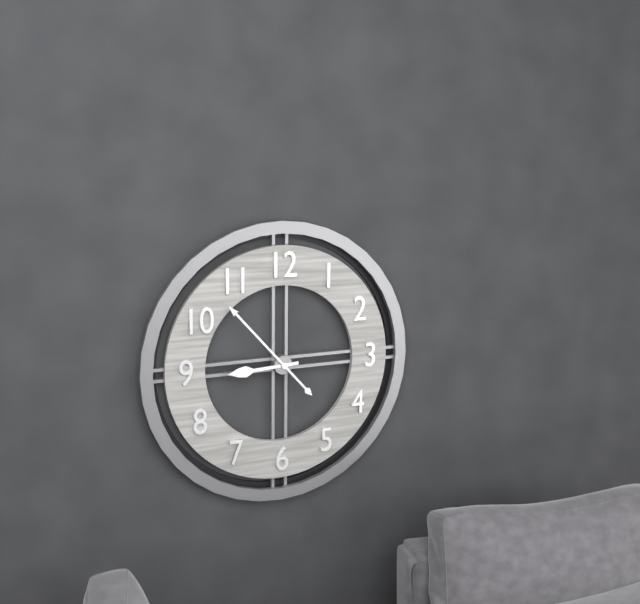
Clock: 8:53
